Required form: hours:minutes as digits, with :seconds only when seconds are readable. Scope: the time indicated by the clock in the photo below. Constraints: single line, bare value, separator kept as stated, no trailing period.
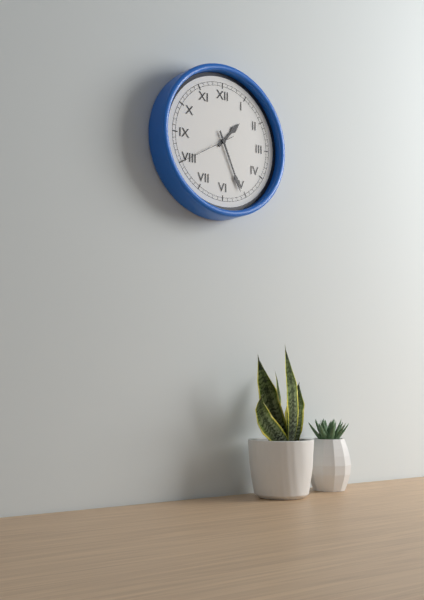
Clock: 1:26:40
